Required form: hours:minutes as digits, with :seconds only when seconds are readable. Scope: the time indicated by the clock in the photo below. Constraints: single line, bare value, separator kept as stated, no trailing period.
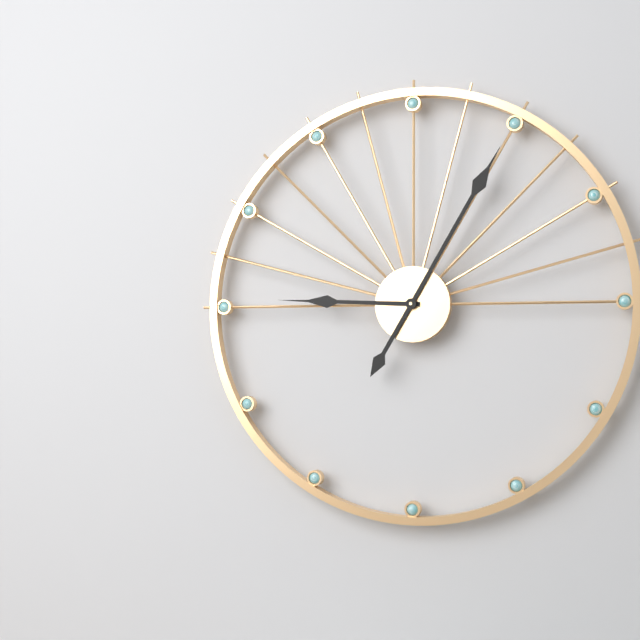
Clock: 9:05
